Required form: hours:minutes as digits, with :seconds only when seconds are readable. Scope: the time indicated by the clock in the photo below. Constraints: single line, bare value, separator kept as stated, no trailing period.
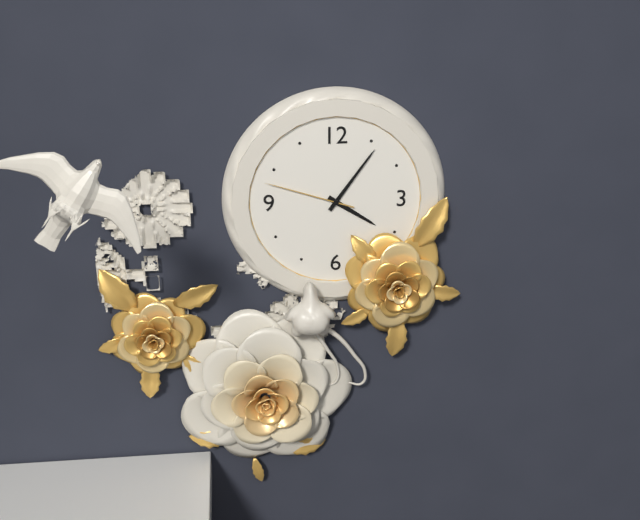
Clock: 4:06:48
